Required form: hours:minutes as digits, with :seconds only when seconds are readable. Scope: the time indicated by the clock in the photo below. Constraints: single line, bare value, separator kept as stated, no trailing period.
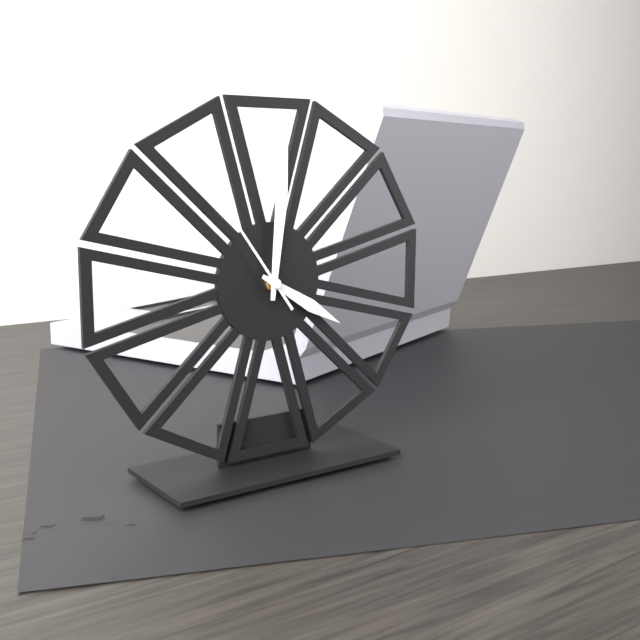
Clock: 4:01:54
